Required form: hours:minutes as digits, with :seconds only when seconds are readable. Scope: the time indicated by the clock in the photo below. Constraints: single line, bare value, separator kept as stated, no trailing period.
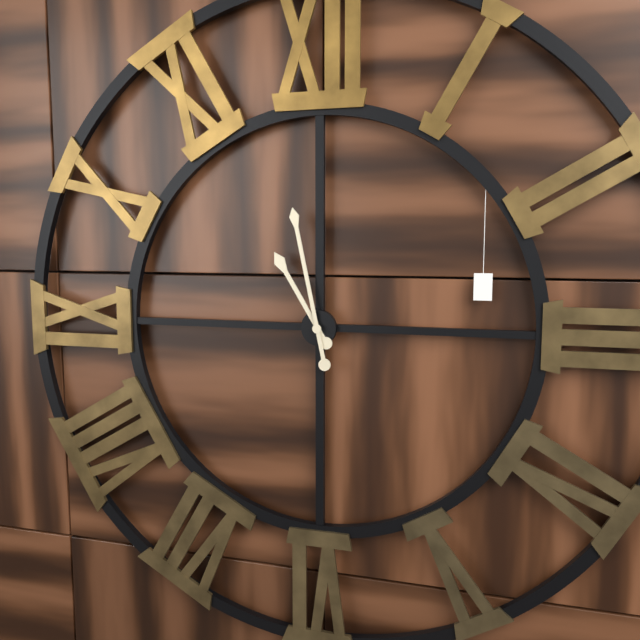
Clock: 10:58
